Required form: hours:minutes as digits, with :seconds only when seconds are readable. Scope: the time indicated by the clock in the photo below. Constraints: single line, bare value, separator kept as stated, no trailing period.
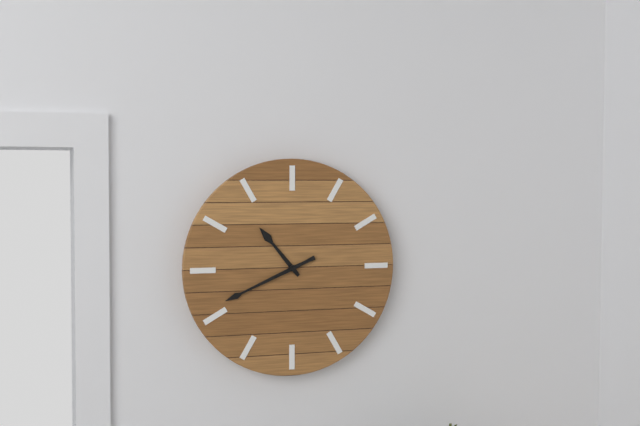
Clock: 10:41
